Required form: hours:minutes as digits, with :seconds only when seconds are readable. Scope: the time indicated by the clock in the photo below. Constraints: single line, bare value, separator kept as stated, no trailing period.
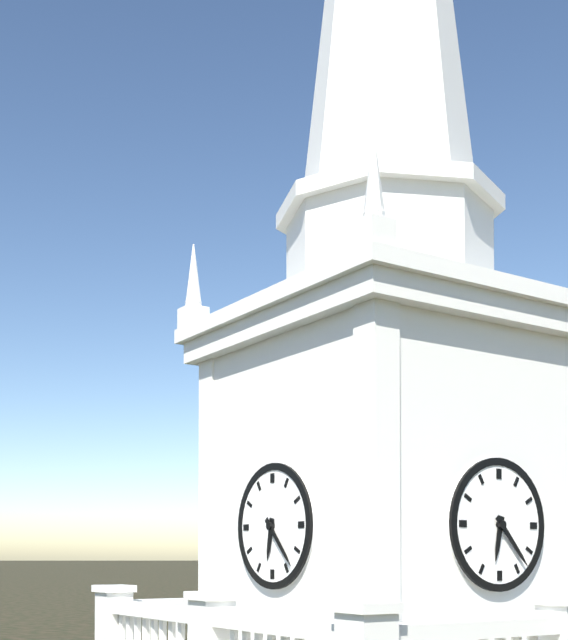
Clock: 6:23
